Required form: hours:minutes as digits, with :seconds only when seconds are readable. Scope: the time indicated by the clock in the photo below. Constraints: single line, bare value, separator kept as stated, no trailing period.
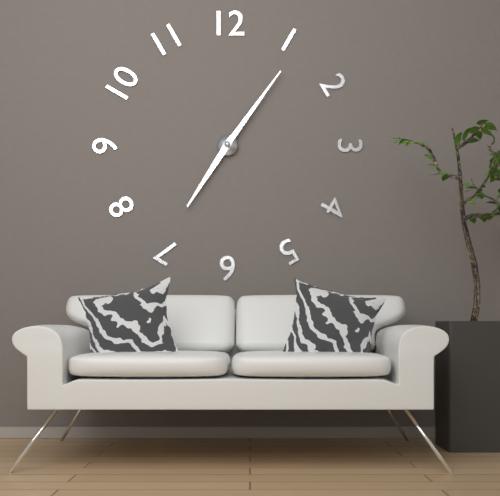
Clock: 7:06
